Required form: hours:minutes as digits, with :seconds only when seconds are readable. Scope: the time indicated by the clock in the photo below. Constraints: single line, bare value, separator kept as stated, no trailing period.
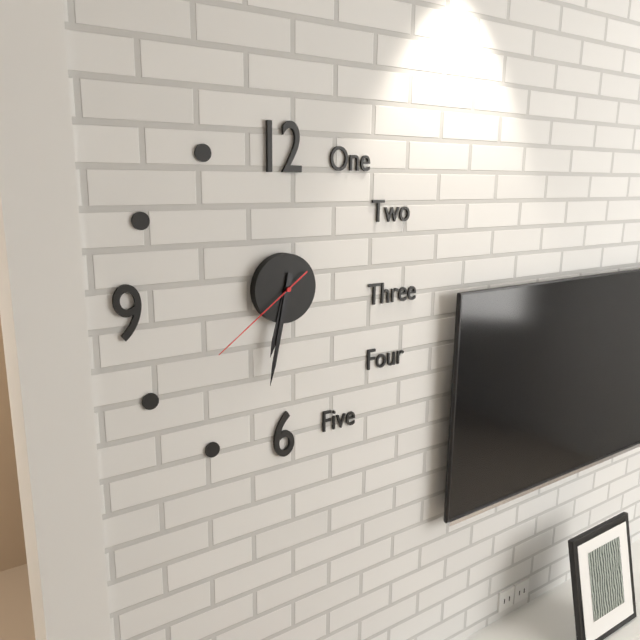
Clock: 6:32:39
